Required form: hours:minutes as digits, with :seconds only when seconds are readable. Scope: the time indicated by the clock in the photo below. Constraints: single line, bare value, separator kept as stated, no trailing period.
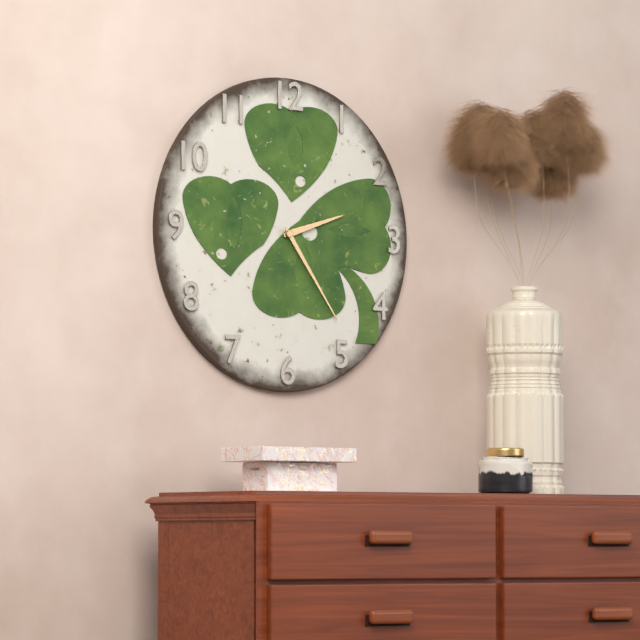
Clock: 2:24
